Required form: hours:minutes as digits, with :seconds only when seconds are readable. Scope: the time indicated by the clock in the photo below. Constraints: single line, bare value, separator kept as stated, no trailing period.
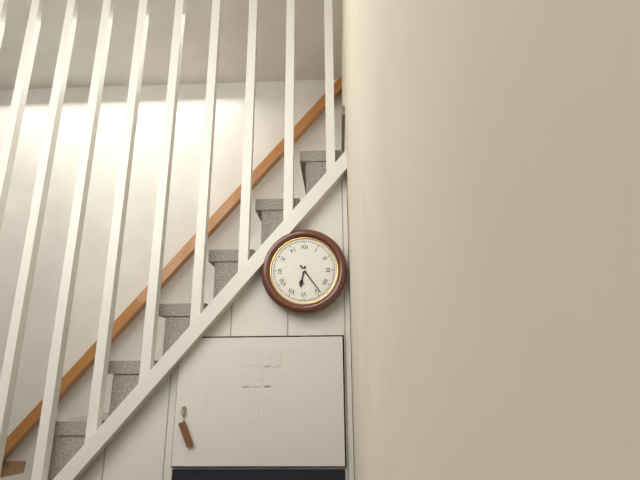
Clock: 6:24
